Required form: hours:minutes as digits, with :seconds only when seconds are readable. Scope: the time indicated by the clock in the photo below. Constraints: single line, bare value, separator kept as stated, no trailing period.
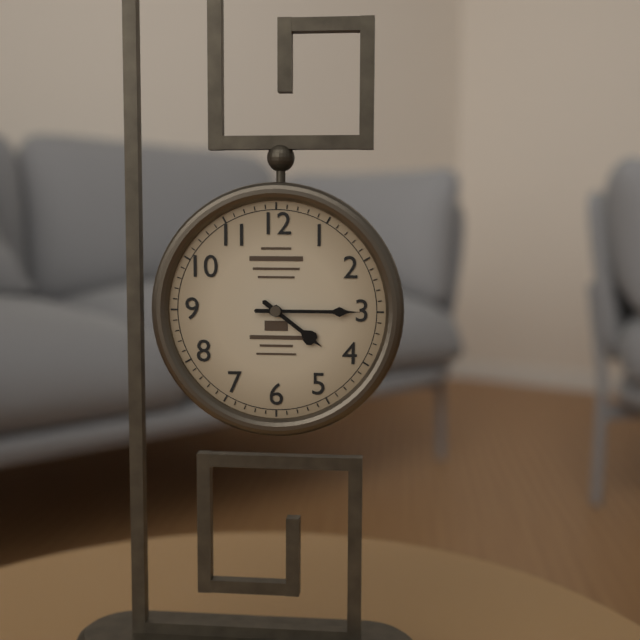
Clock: 4:15
